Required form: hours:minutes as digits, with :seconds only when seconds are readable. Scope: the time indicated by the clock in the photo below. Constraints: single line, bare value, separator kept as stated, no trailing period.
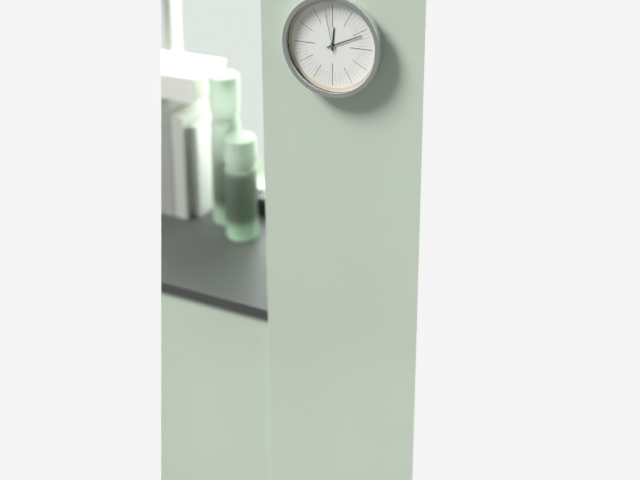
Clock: 12:11
